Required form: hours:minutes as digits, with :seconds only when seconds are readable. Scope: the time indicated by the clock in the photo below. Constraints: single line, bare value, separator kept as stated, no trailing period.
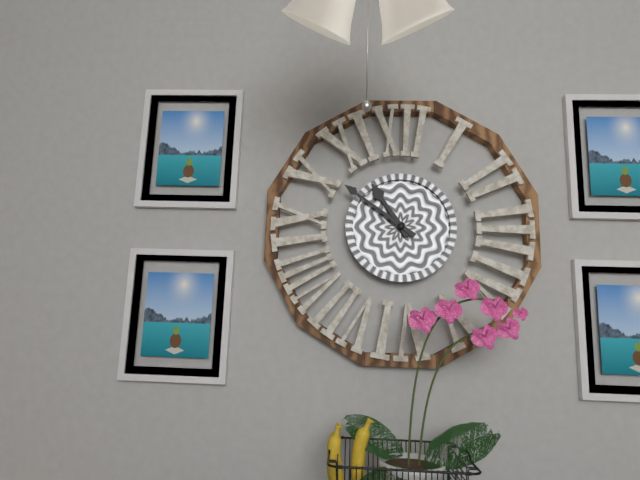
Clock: 10:51
